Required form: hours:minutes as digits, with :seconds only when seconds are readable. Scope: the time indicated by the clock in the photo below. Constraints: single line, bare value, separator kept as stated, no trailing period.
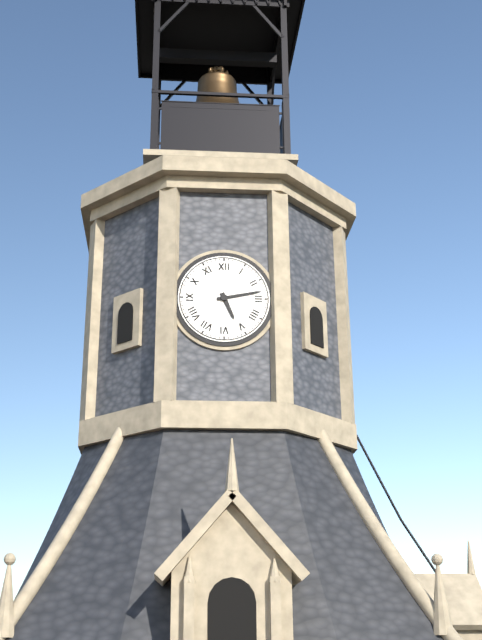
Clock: 5:13
